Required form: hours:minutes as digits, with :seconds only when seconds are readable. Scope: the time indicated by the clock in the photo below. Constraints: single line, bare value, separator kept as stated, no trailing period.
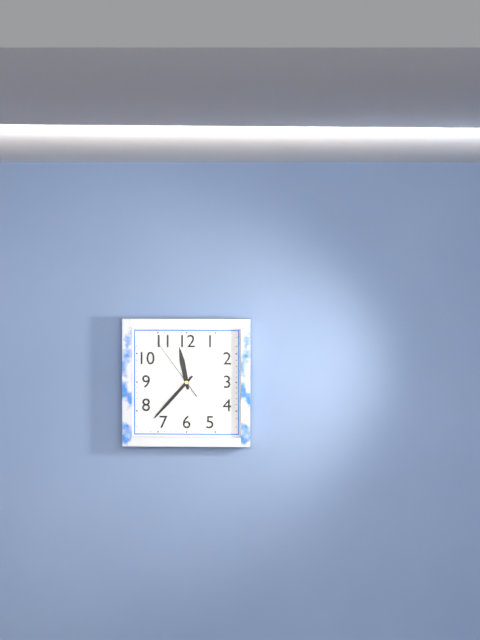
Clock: 11:37:54
